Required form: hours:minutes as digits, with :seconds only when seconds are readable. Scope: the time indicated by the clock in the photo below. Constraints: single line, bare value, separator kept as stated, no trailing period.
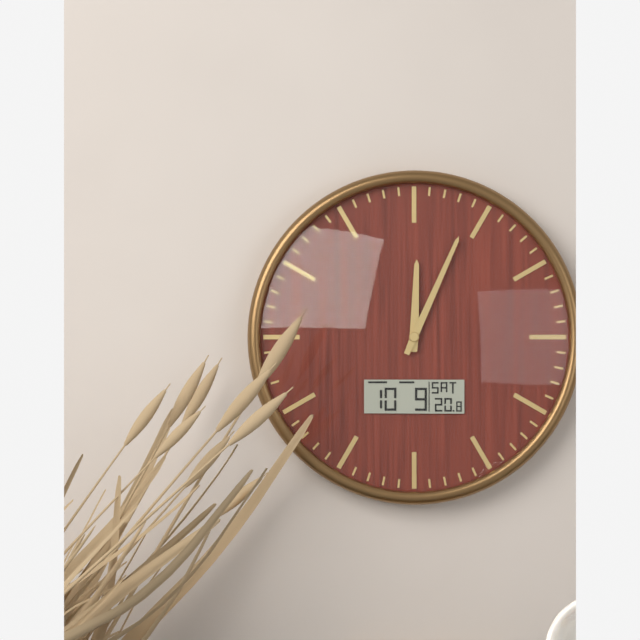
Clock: 12:04
